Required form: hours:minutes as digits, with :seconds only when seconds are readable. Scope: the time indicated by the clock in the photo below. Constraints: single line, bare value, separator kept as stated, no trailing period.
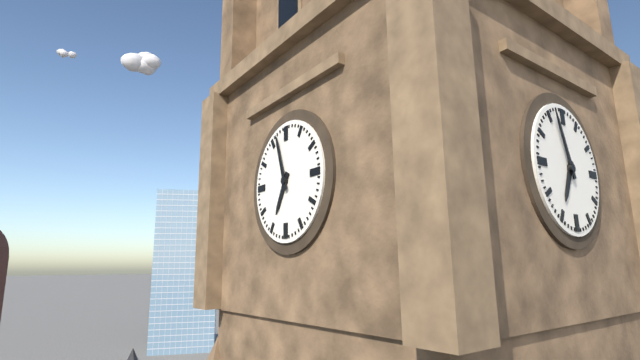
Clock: 6:57
